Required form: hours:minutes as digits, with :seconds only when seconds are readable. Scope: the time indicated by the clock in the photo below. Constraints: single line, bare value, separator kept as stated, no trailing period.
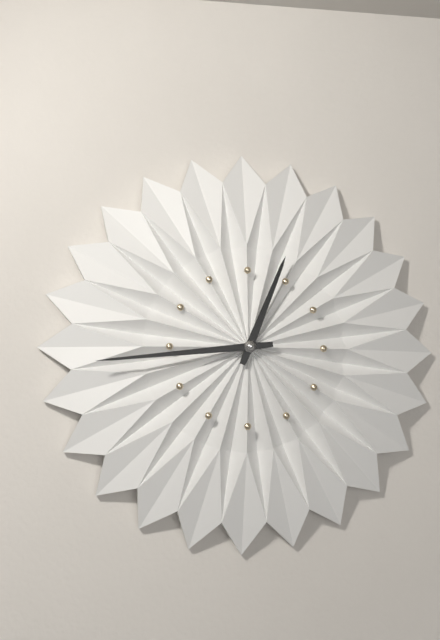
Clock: 12:44
